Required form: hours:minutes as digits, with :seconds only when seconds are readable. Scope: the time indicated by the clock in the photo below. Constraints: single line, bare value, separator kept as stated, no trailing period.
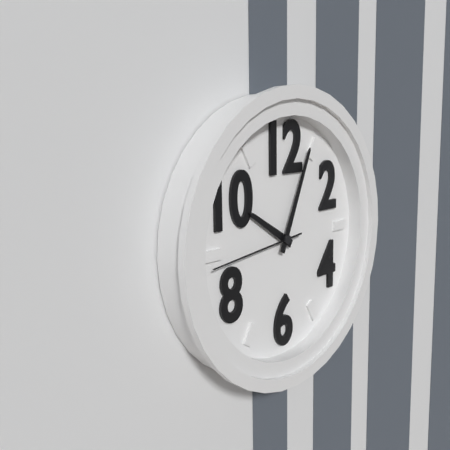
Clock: 10:04:44
